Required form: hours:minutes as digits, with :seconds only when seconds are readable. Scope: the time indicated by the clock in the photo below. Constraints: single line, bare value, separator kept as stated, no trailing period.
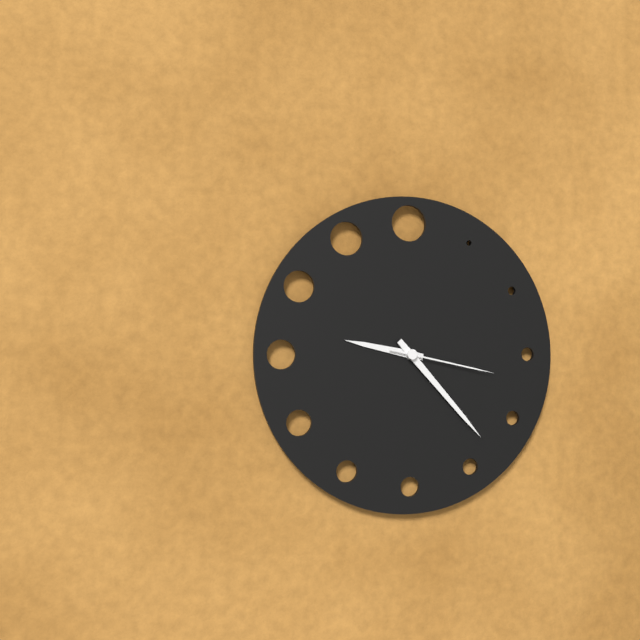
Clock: 9:23:17
